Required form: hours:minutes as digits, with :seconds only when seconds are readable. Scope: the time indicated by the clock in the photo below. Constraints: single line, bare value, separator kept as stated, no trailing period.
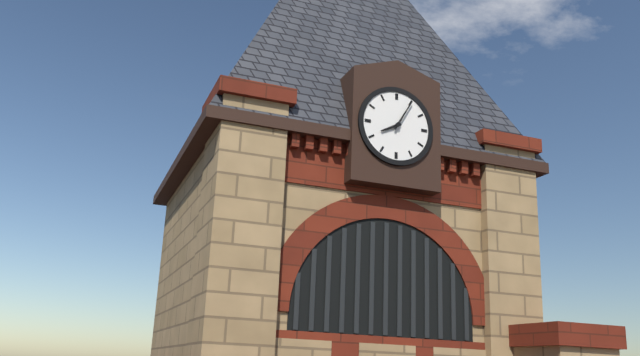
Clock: 8:05
